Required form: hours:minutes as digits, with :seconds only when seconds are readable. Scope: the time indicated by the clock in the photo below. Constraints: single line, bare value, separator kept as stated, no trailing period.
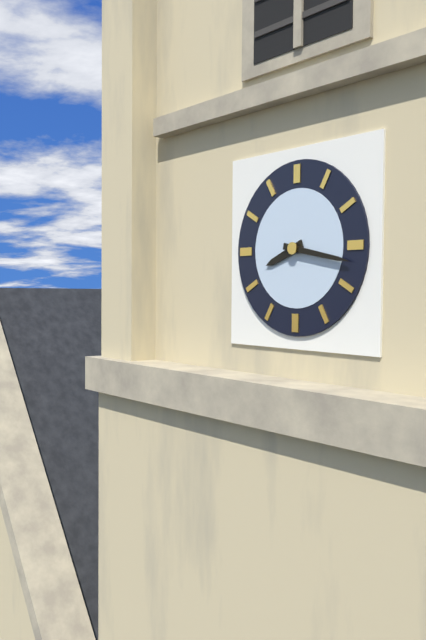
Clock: 8:17
